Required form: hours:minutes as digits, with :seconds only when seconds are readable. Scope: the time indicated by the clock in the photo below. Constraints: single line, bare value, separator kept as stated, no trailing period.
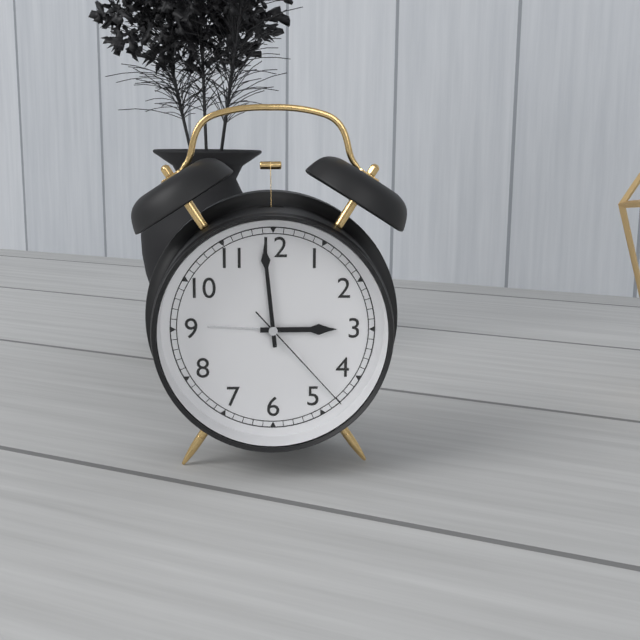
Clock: 2:59:23
